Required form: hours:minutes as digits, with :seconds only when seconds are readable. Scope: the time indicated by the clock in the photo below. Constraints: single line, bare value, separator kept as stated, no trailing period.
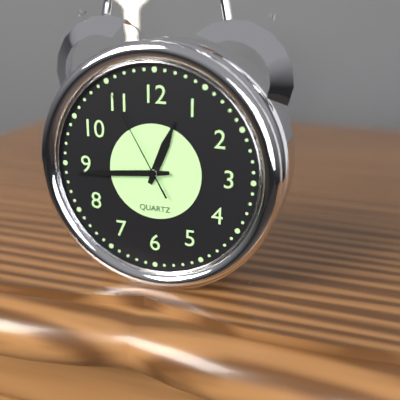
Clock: 12:44:55
